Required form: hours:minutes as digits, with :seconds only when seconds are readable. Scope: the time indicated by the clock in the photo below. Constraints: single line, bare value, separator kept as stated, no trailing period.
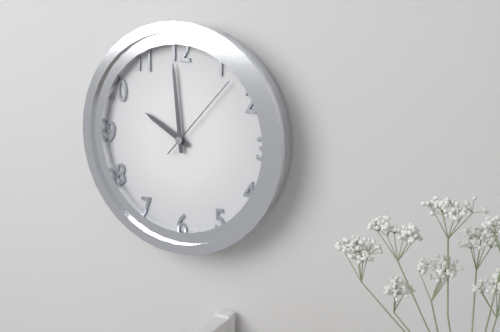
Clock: 9:59:07
